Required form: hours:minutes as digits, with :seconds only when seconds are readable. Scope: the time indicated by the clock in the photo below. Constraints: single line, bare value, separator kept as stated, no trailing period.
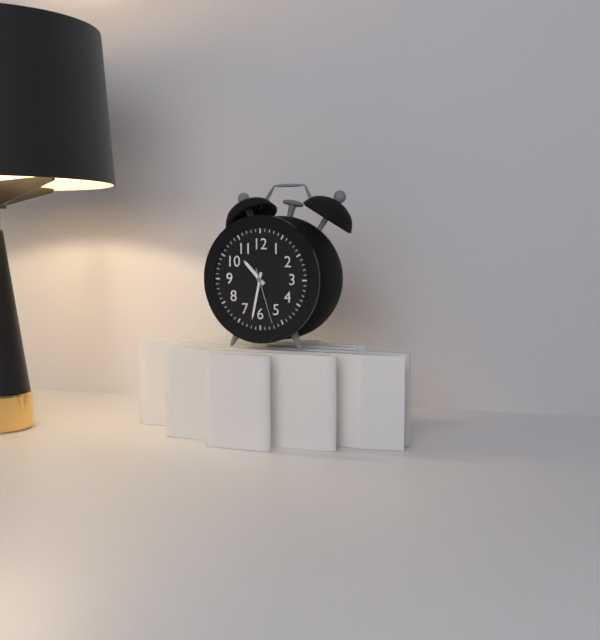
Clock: 10:32:27
